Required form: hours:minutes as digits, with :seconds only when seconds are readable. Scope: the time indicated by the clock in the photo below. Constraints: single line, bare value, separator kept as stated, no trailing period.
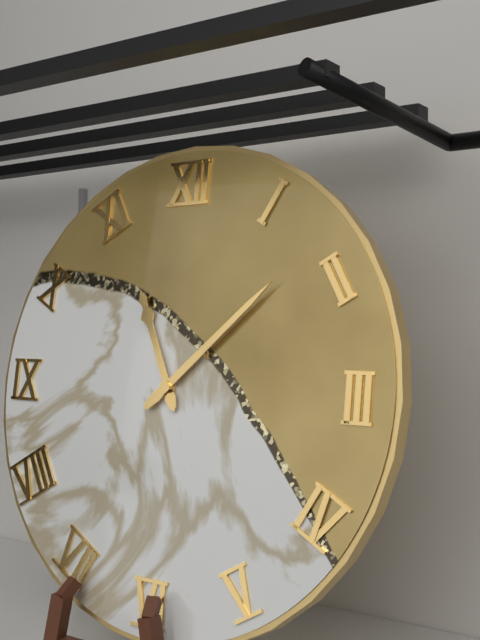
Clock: 11:08
